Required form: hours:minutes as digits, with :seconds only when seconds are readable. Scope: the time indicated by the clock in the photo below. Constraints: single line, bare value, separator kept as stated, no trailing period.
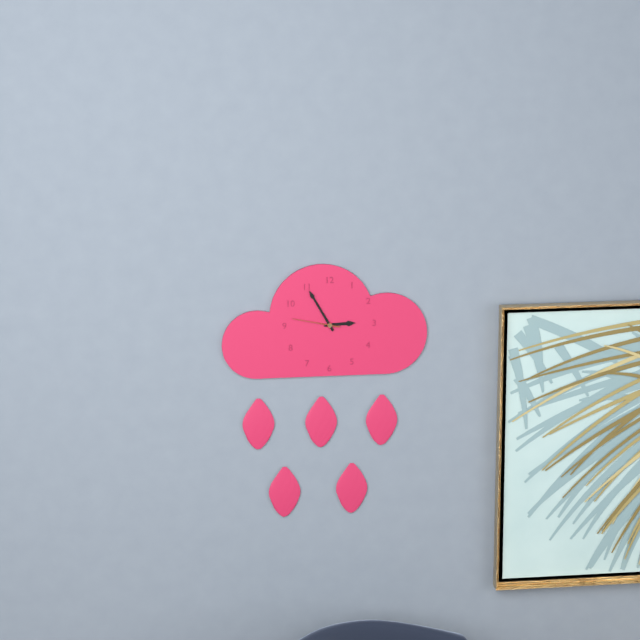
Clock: 2:55
